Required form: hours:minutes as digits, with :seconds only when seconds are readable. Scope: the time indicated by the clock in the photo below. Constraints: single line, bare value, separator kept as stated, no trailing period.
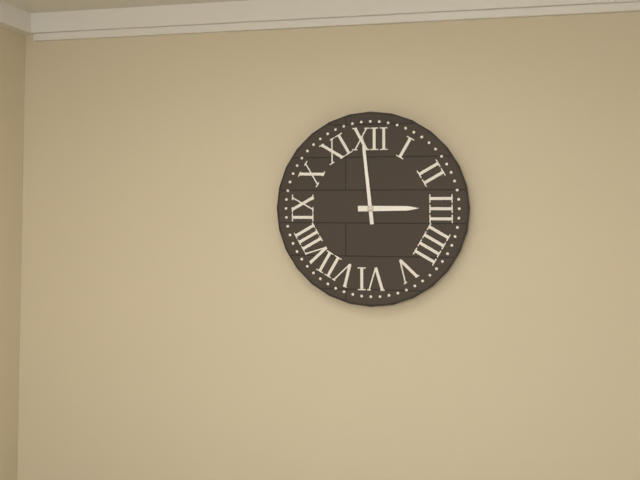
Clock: 2:59
